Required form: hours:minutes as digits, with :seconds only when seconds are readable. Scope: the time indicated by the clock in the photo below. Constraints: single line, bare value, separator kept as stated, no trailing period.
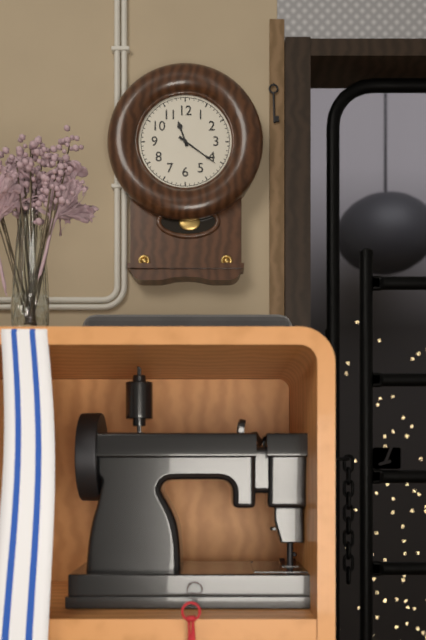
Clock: 11:21
